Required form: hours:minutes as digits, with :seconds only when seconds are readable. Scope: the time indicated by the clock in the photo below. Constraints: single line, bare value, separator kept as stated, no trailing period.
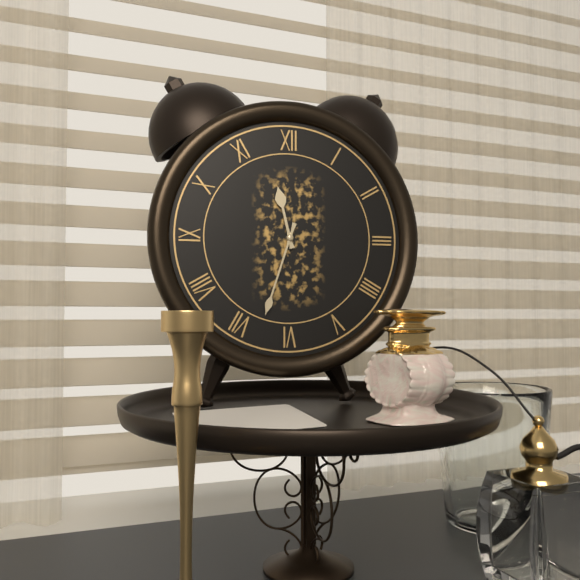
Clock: 11:33
